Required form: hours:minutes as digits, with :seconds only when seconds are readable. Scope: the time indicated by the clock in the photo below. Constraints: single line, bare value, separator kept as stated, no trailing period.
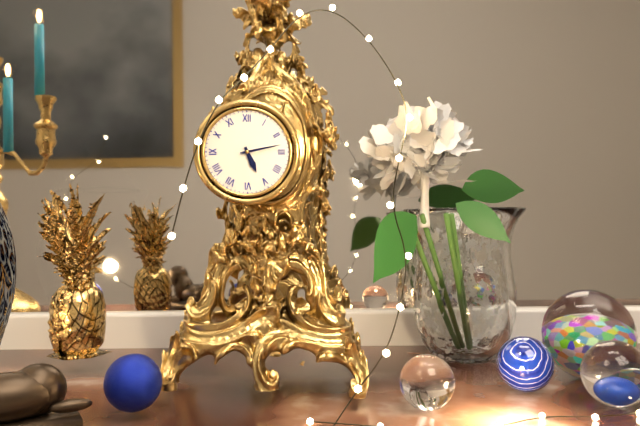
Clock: 5:13
